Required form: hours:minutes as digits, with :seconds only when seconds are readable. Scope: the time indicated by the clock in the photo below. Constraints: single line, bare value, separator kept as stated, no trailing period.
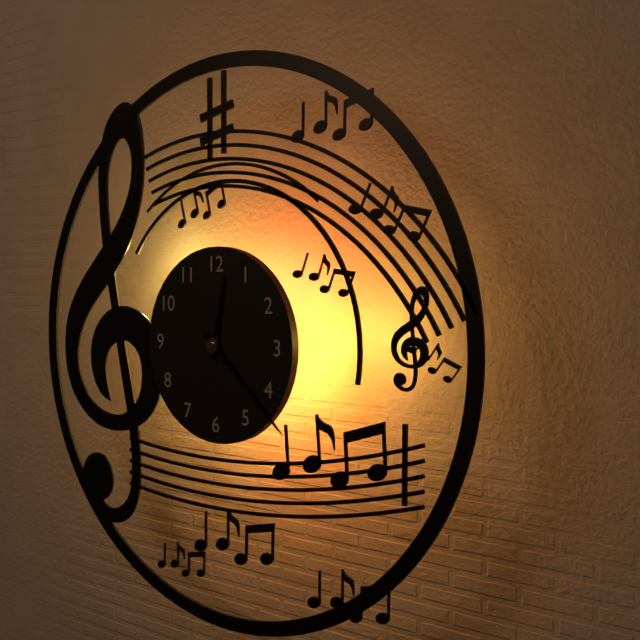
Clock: 12:22
